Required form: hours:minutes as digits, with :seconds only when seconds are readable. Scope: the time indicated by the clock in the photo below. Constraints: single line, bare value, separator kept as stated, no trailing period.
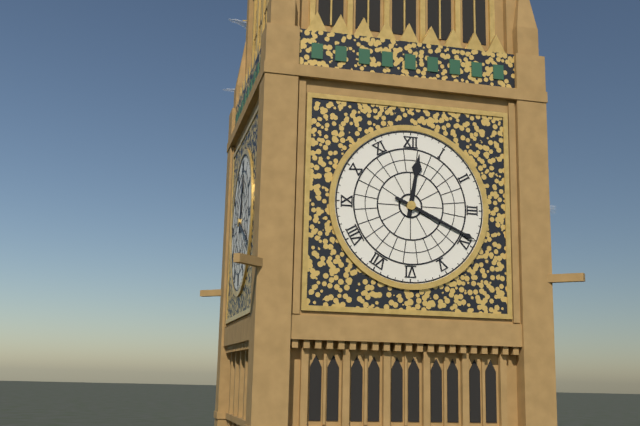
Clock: 12:19
